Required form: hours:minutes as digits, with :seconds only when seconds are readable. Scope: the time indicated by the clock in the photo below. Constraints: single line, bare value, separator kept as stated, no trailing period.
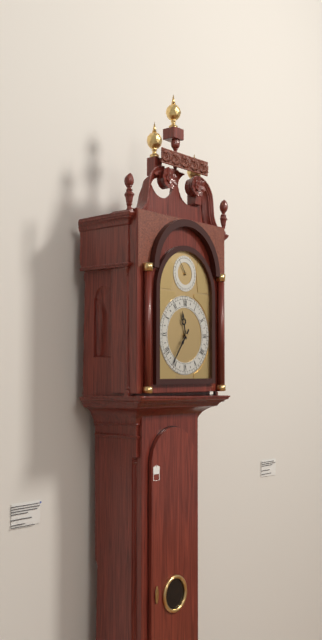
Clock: 11:36
